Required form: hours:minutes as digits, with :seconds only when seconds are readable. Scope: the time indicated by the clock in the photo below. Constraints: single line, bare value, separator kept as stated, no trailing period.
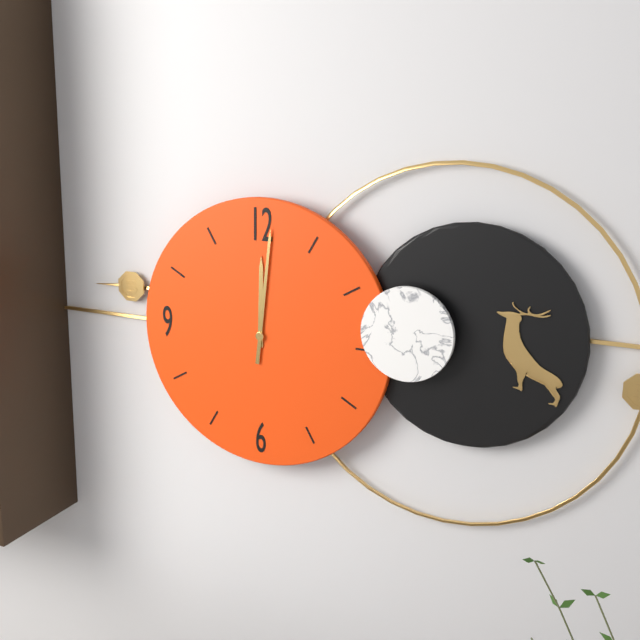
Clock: 12:01
